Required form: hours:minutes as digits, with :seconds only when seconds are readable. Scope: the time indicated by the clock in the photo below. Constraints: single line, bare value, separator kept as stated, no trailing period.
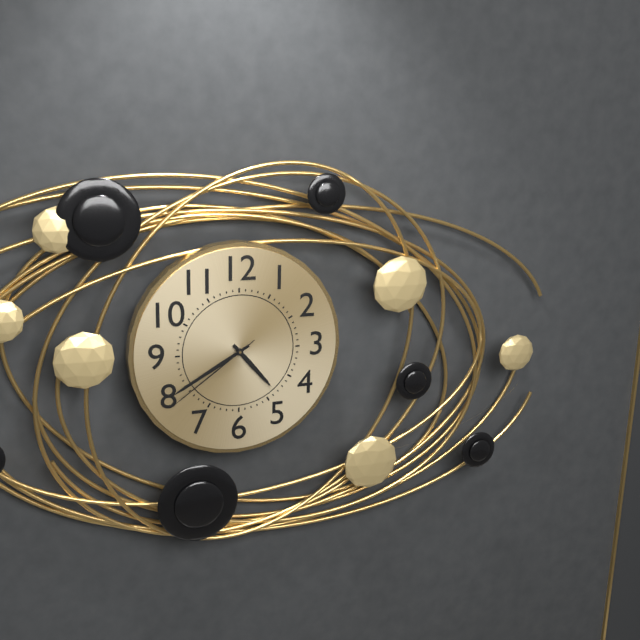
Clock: 4:40:39
